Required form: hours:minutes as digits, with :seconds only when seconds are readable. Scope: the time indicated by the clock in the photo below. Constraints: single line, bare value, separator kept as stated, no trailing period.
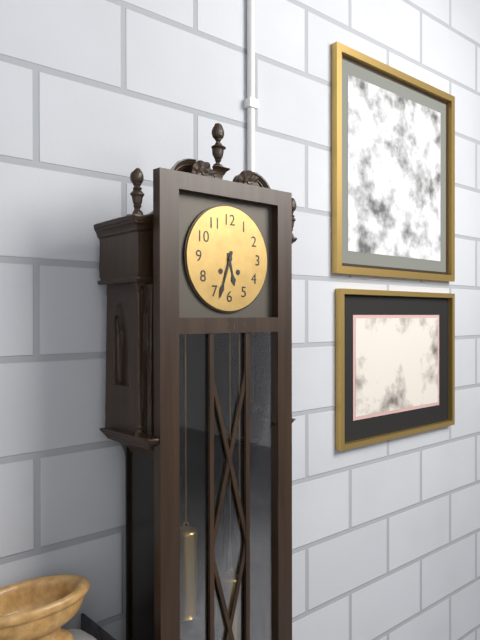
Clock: 5:33
